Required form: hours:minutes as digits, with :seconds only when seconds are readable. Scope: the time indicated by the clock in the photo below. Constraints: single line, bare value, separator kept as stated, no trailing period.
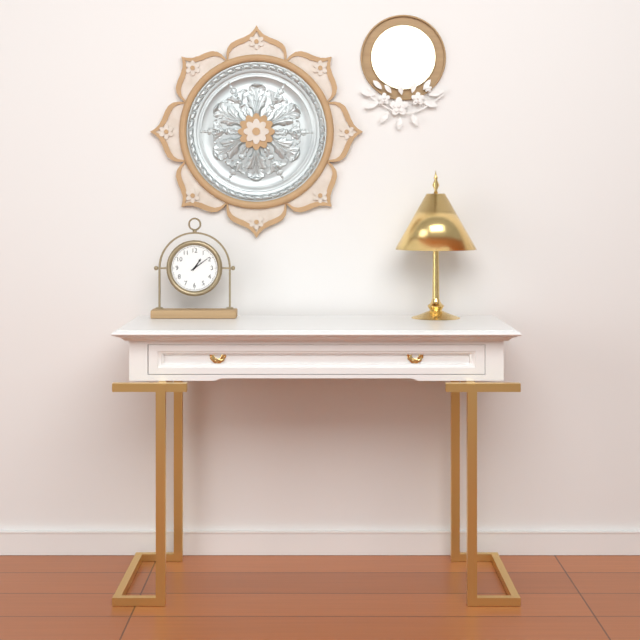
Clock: 1:09
